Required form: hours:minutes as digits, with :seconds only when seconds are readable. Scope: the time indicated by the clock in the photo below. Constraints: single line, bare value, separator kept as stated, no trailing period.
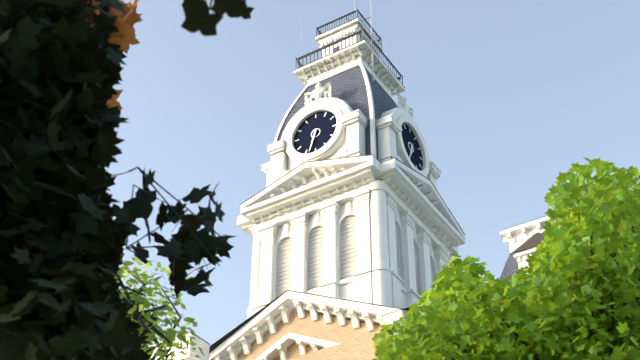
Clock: 6:33
